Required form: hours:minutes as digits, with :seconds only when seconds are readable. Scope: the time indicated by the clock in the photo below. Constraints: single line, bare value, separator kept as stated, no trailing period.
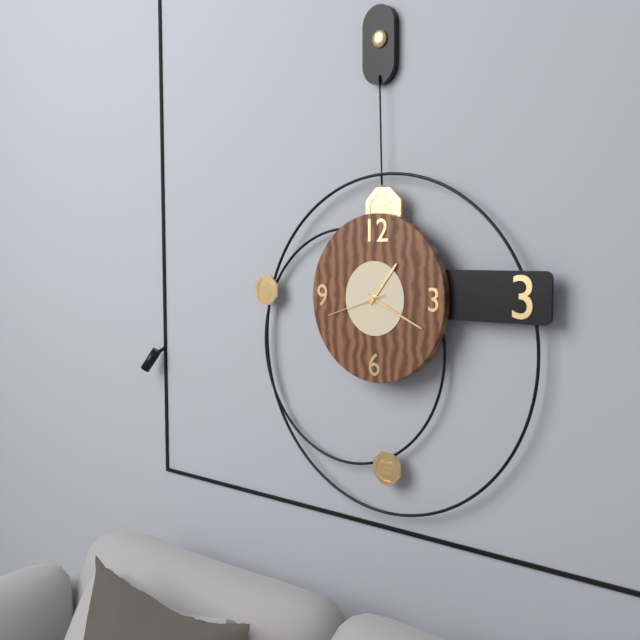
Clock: 1:19:42
